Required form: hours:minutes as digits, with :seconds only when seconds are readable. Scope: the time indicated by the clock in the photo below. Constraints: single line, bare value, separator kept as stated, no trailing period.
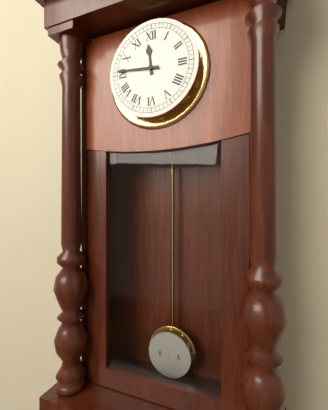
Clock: 11:46
